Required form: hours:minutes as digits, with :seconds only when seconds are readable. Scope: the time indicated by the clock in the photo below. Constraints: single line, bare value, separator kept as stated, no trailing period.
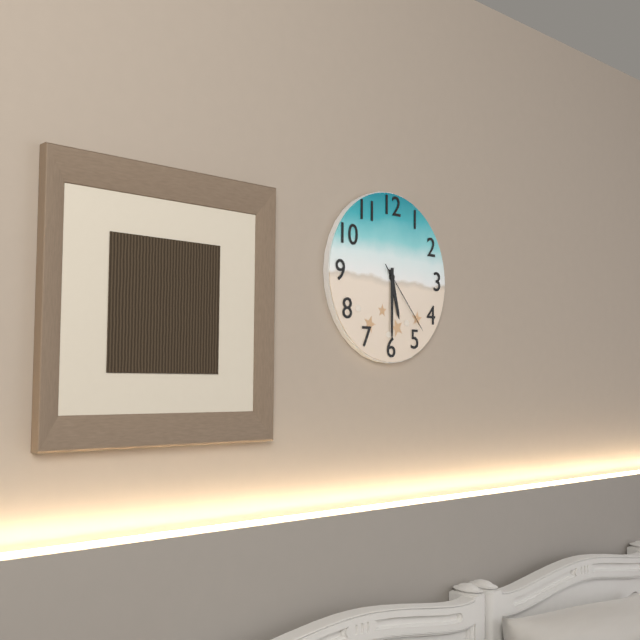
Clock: 5:30:23
